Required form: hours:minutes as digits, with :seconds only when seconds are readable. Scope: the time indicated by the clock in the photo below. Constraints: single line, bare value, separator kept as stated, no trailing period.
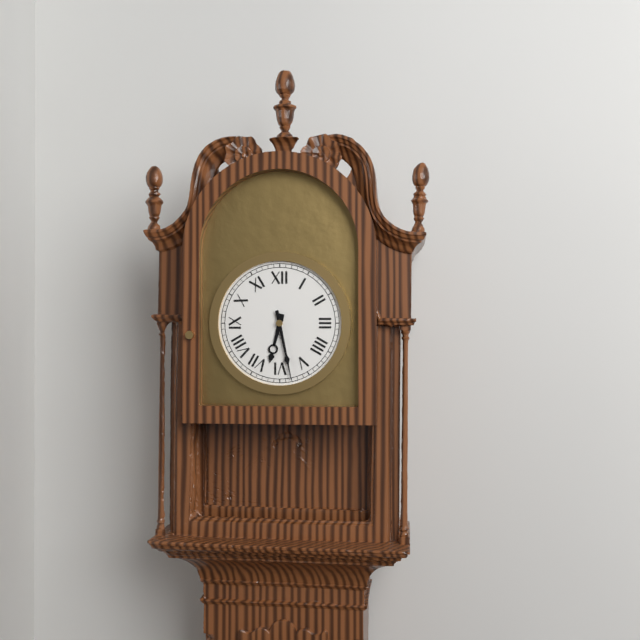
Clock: 6:28
